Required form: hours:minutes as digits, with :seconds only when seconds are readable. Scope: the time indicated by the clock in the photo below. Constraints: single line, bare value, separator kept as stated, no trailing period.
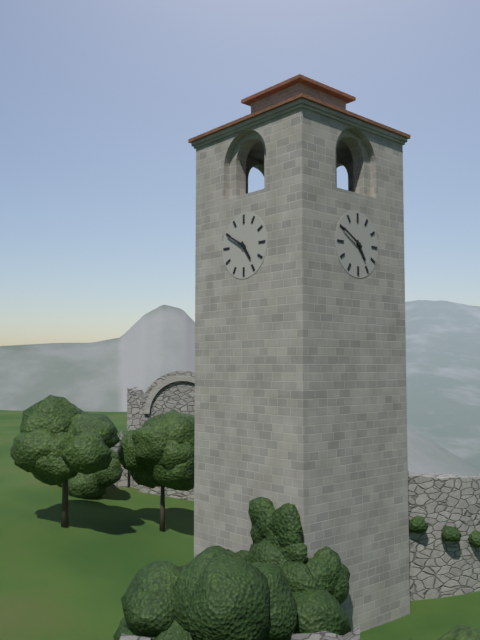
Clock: 4:50
